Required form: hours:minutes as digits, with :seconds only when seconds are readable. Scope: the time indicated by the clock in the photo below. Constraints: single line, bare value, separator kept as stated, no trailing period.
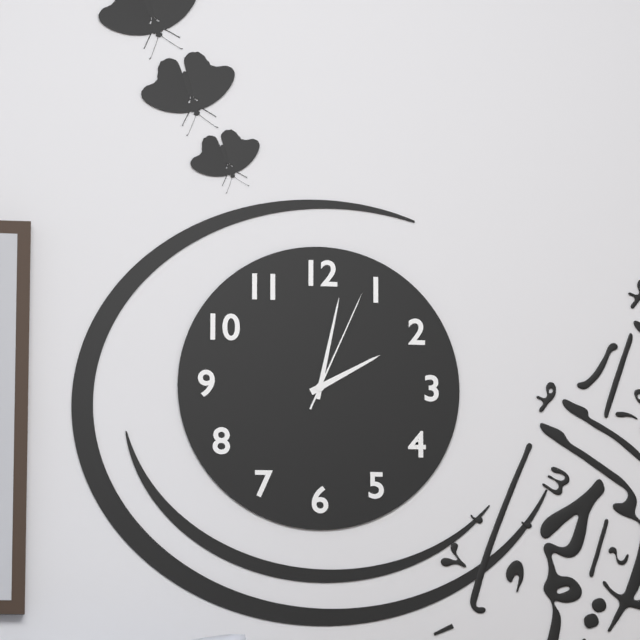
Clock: 2:02:04
